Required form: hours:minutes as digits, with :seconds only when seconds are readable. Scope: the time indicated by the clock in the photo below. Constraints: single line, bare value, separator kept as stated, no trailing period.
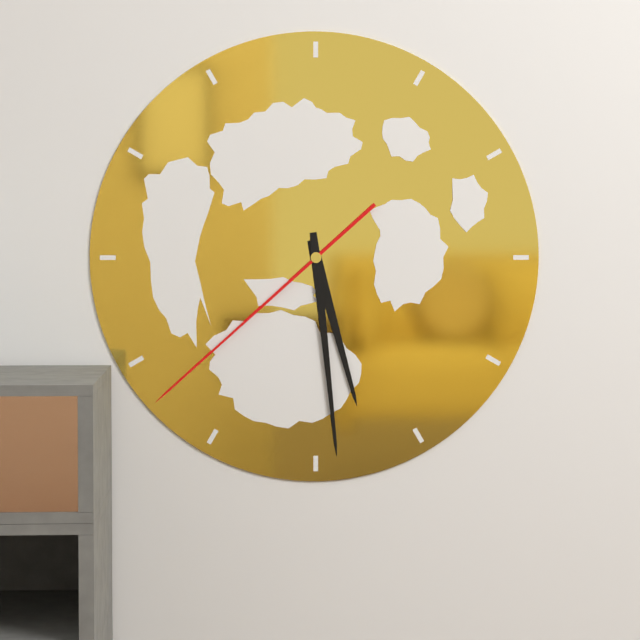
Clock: 5:29:38
